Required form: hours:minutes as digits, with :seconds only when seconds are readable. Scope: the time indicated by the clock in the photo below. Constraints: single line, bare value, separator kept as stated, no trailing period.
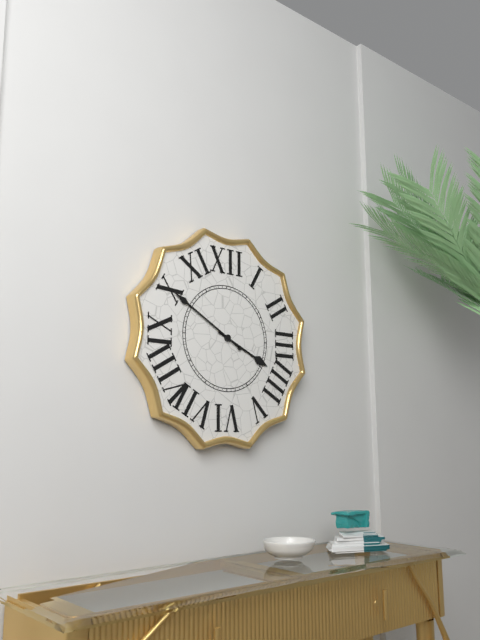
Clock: 3:50
